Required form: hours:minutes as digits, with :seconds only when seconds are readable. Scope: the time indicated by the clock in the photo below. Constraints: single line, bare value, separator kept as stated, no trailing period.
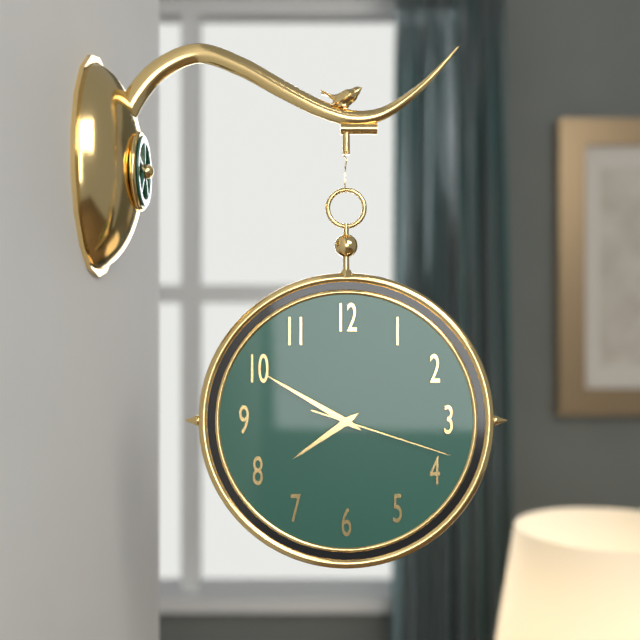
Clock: 7:50:18
